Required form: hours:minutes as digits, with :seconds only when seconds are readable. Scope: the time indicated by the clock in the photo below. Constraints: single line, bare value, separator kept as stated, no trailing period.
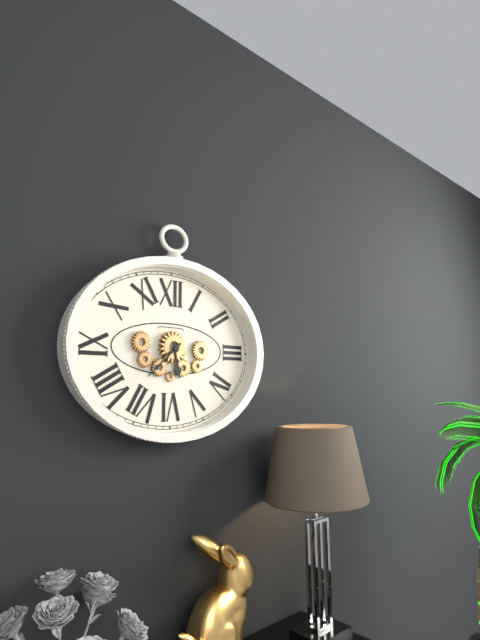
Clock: 5:38
